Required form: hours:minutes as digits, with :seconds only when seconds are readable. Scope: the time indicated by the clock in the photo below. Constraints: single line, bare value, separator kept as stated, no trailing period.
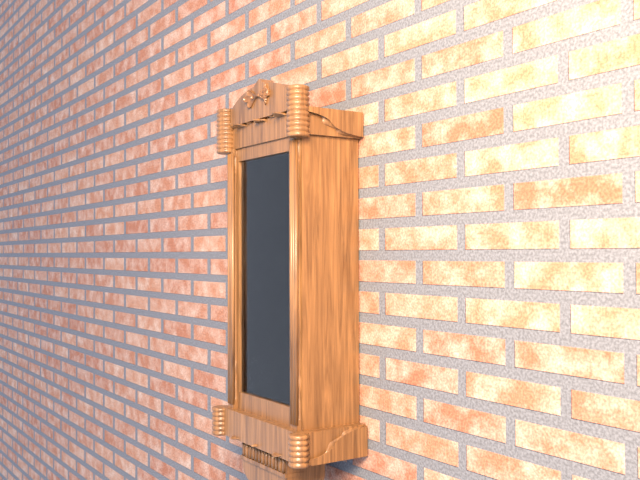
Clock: 5:09
